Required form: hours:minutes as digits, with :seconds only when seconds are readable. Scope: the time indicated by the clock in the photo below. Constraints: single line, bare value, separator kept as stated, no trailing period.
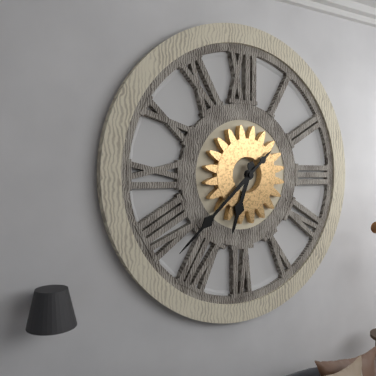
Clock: 6:38
